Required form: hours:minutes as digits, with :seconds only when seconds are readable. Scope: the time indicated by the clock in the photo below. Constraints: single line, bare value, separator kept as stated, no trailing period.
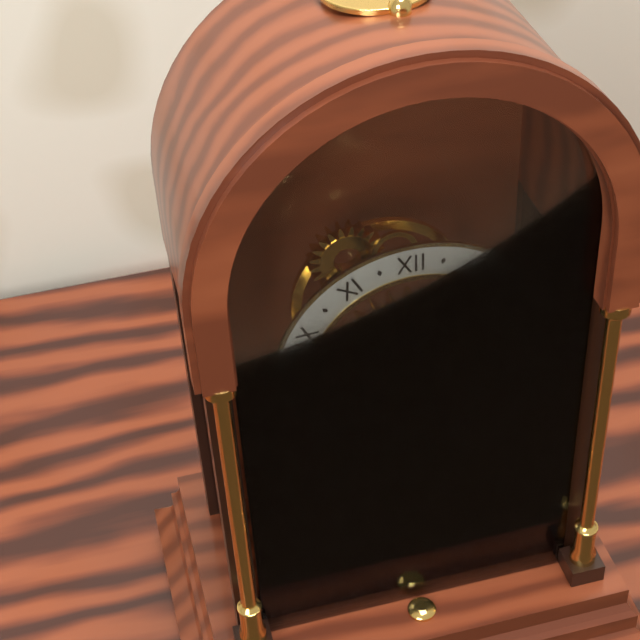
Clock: 11:33
